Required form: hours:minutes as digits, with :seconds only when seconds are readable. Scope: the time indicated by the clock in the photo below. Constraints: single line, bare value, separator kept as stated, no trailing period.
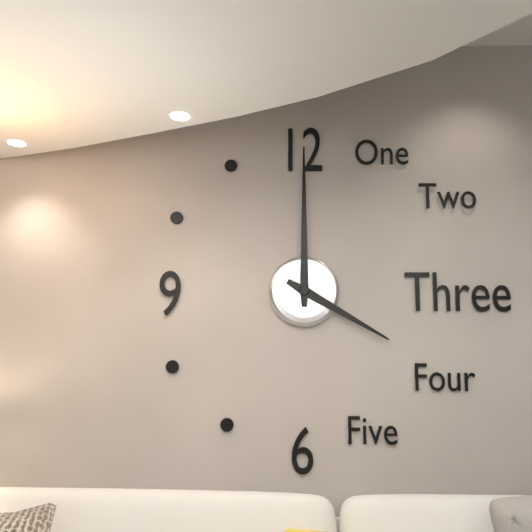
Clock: 4:00
